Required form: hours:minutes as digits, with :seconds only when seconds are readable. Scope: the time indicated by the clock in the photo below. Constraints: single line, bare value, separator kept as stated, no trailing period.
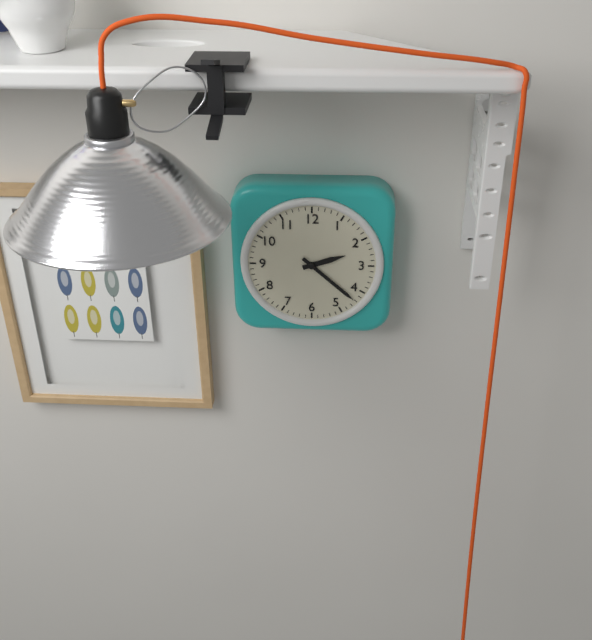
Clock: 2:22
